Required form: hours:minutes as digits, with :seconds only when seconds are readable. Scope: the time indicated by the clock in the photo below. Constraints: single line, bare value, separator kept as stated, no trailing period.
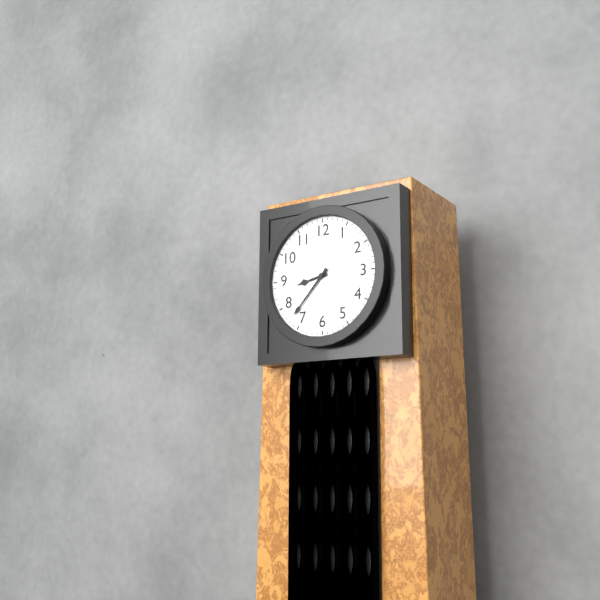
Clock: 8:37
